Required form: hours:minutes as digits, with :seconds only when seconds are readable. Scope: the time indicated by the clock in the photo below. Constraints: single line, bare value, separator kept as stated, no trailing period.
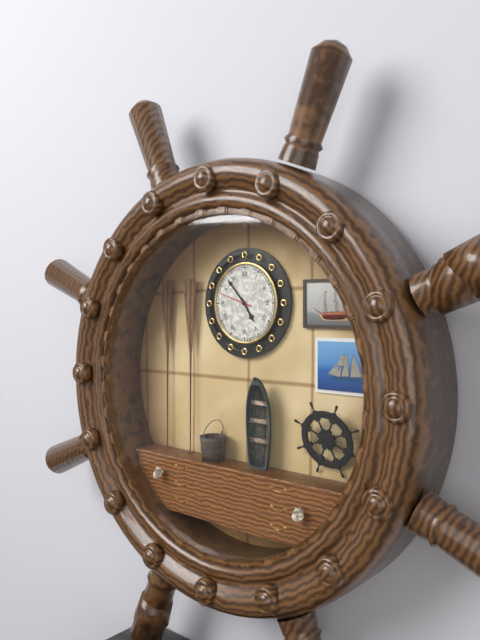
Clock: 4:53
